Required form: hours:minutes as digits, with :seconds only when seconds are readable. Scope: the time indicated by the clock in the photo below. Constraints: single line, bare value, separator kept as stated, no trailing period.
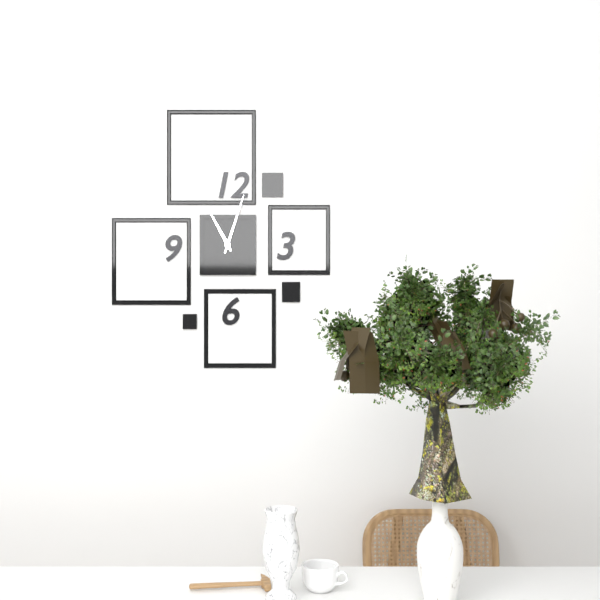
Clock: 11:03
